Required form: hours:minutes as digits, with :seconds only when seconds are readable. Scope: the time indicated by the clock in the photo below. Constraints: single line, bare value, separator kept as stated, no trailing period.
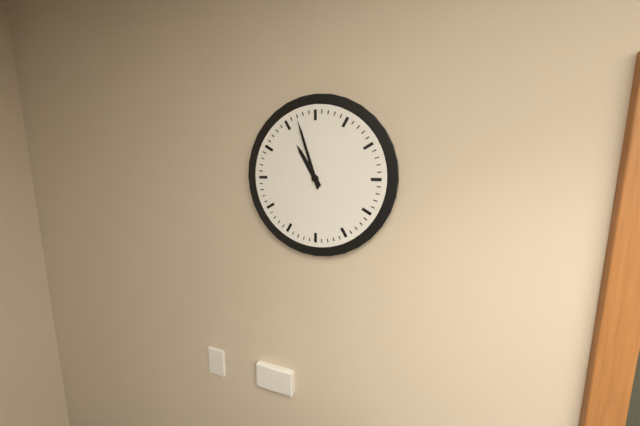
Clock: 10:57
